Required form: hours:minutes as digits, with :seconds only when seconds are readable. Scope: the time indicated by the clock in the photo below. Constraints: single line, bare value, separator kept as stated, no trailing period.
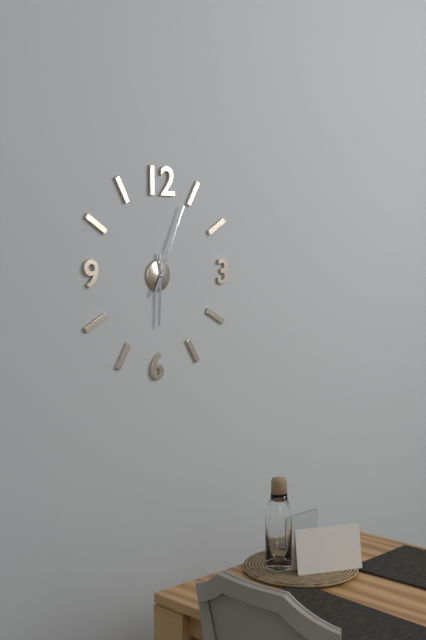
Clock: 6:04
